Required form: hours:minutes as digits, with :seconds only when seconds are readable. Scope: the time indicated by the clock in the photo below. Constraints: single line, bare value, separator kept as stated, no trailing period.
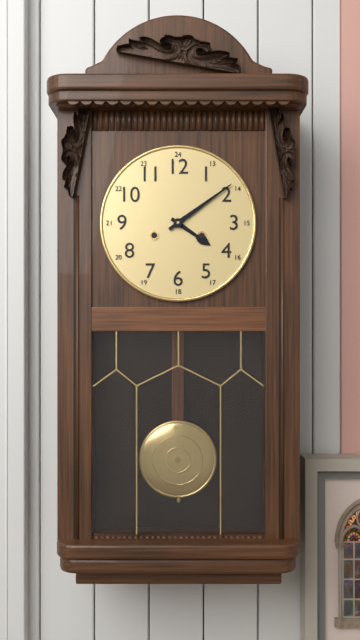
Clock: 4:09
